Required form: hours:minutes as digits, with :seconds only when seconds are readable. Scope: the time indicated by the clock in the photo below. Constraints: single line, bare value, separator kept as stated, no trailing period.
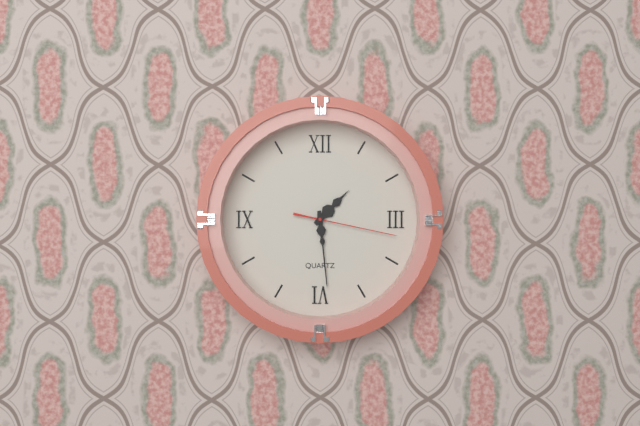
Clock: 1:29:17
